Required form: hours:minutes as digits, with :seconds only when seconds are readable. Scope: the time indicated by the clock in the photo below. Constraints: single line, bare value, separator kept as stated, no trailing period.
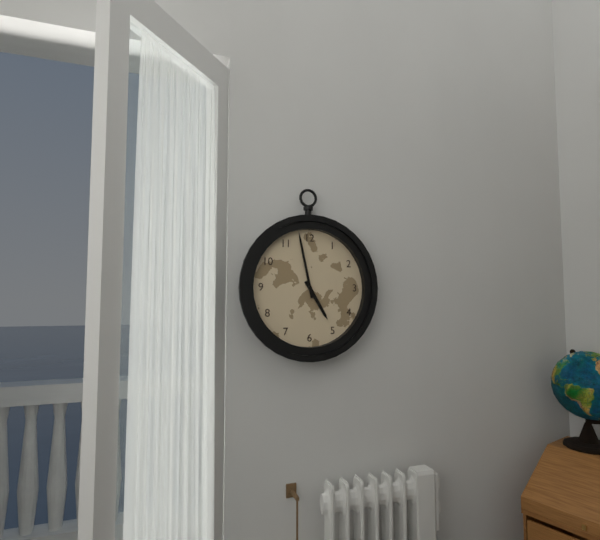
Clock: 4:58
